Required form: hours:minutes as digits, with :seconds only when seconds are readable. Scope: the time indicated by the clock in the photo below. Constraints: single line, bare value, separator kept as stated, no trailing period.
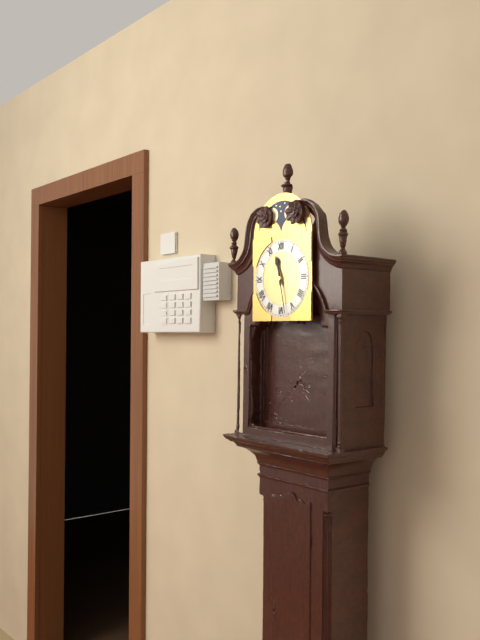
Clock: 11:28
